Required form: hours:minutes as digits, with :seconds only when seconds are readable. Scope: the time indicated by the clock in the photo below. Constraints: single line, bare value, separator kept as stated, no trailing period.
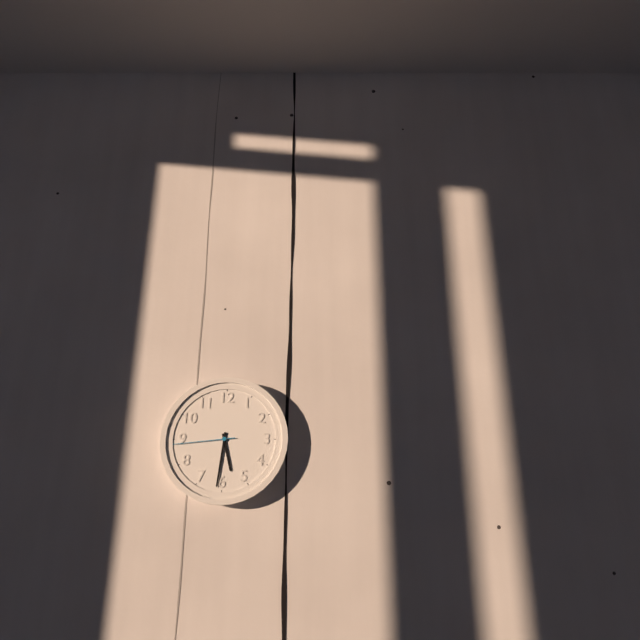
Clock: 5:31:44
